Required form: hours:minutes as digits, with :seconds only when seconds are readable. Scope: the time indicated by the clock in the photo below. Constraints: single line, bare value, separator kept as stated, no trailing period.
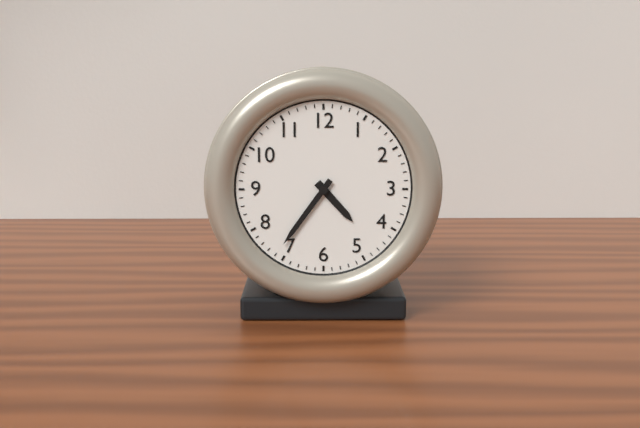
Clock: 4:36
